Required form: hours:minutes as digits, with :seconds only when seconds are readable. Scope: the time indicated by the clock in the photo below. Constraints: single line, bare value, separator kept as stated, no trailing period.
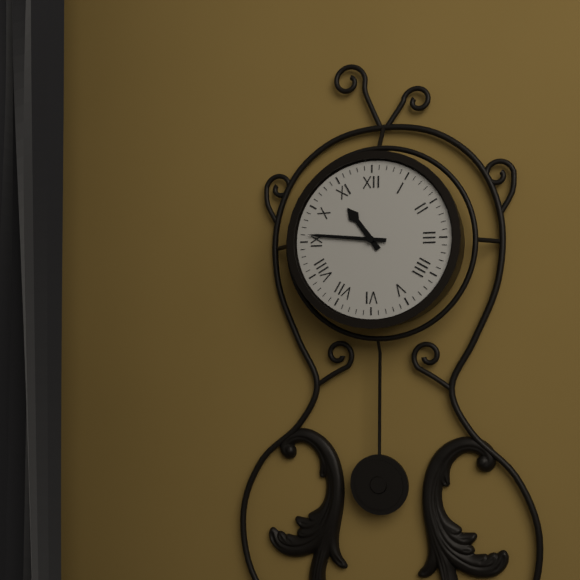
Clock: 10:46
